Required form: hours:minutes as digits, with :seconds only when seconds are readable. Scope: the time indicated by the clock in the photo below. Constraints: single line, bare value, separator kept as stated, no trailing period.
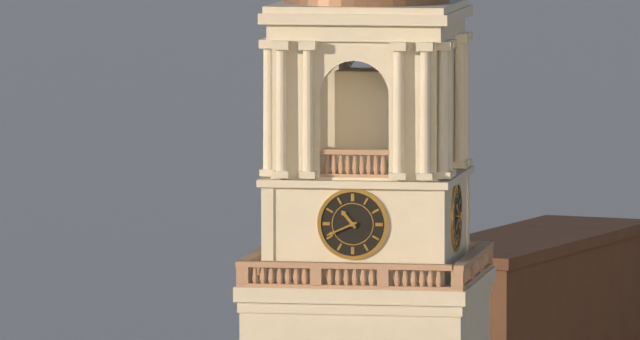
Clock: 10:41
